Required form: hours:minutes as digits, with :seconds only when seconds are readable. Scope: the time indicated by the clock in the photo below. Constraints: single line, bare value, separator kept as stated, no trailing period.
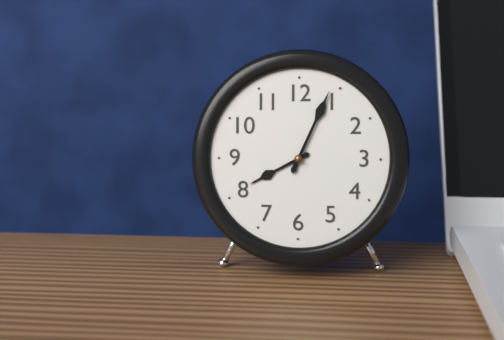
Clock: 8:04
